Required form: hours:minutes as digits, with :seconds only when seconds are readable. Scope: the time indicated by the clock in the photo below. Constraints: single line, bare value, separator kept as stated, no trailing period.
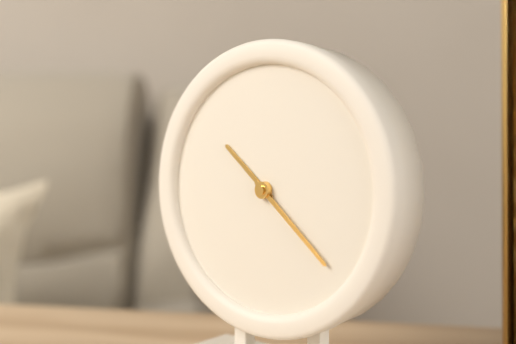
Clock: 10:22
